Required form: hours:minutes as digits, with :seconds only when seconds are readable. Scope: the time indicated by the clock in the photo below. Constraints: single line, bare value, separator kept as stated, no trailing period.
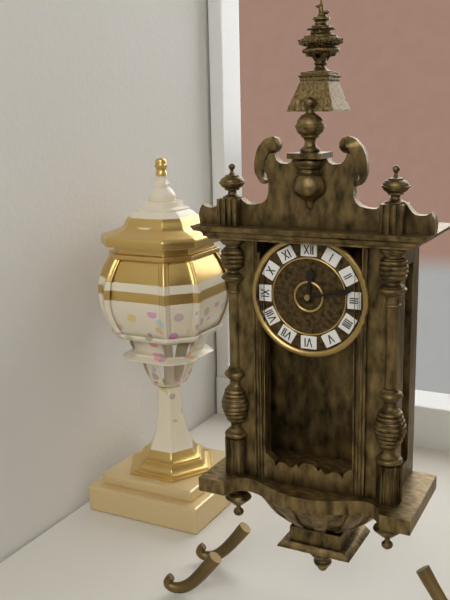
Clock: 12:13
